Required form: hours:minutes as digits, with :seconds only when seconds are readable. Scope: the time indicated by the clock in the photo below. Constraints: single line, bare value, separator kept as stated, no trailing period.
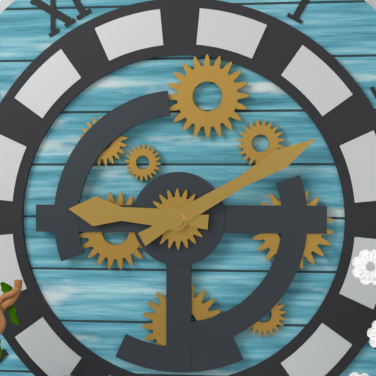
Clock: 9:10
